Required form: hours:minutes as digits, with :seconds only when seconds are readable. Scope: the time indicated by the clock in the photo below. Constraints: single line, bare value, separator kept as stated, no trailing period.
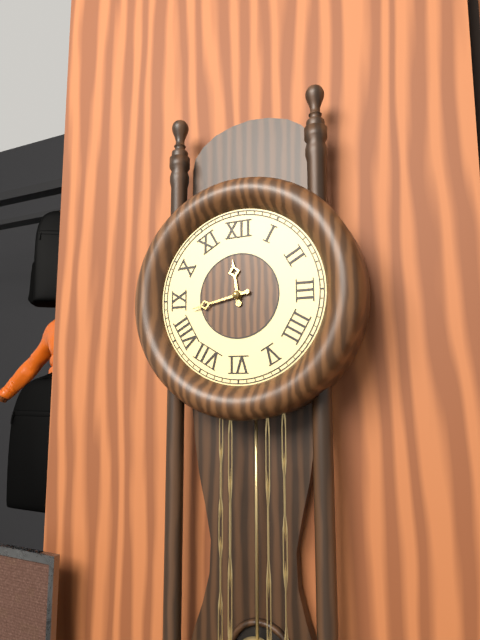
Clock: 11:43
